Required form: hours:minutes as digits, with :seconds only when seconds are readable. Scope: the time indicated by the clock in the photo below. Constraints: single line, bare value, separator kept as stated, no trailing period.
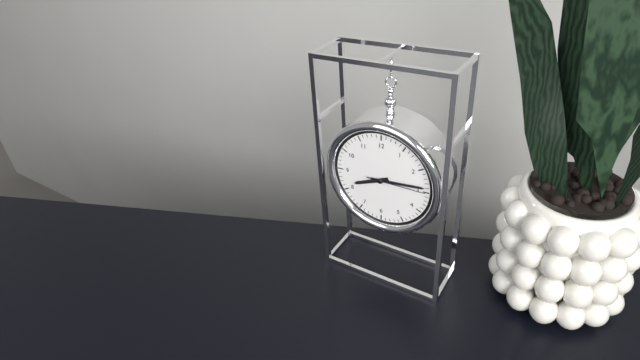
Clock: 8:14:15
